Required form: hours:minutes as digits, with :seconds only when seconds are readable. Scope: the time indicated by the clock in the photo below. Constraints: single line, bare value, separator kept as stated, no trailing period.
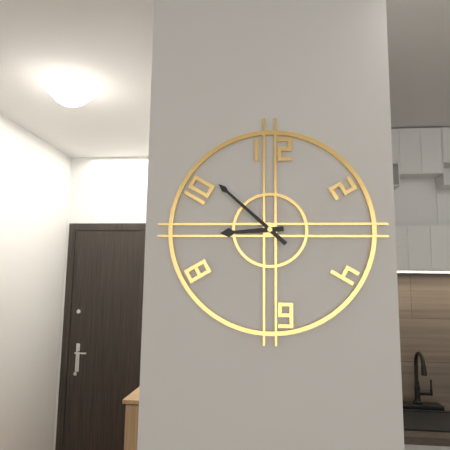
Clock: 8:52
